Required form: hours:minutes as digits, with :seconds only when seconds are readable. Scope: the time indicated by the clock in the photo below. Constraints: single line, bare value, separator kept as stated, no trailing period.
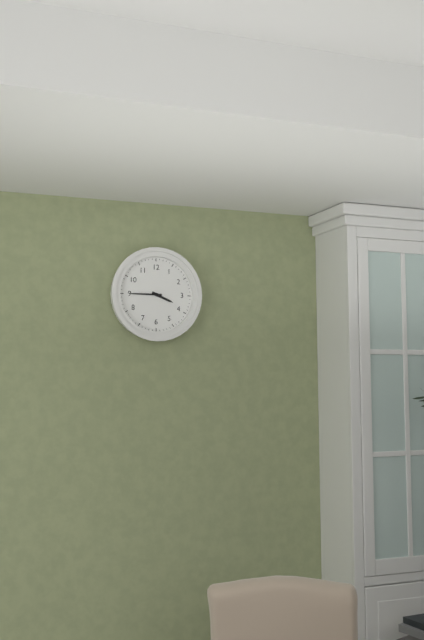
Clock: 3:45
